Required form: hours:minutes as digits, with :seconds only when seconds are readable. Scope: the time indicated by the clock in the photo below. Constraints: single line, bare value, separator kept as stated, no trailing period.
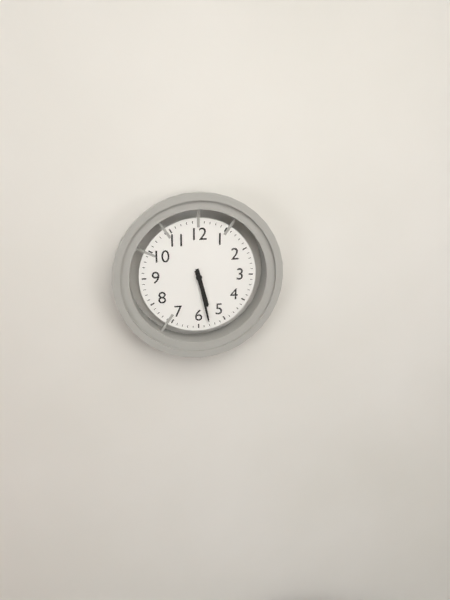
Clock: 5:28
